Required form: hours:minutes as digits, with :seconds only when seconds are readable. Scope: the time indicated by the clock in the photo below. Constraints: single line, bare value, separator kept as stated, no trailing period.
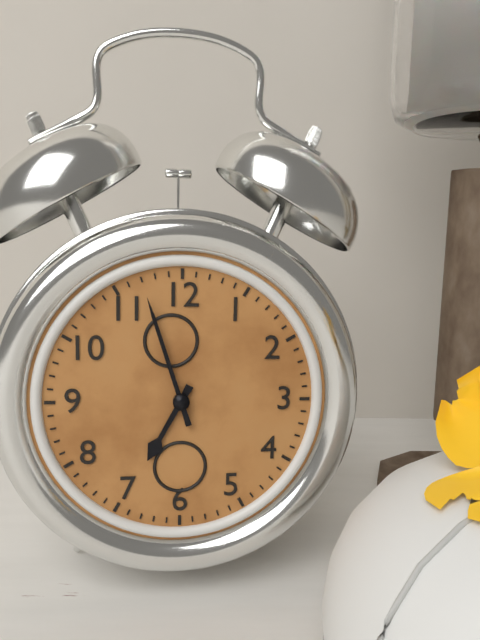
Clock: 6:57
